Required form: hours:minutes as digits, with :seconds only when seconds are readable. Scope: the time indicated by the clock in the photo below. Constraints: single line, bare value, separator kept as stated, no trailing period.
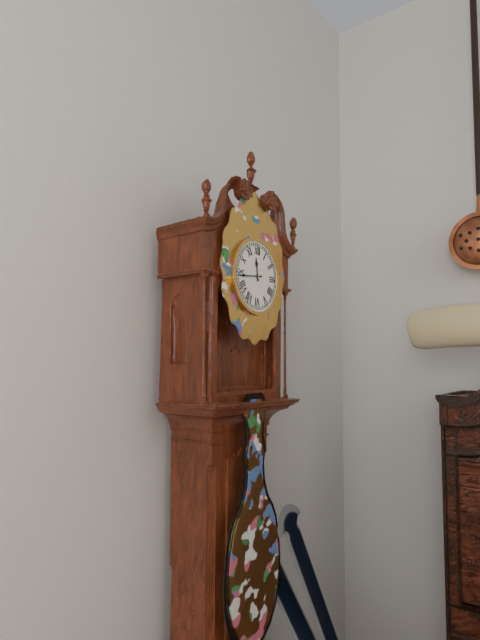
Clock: 11:44
